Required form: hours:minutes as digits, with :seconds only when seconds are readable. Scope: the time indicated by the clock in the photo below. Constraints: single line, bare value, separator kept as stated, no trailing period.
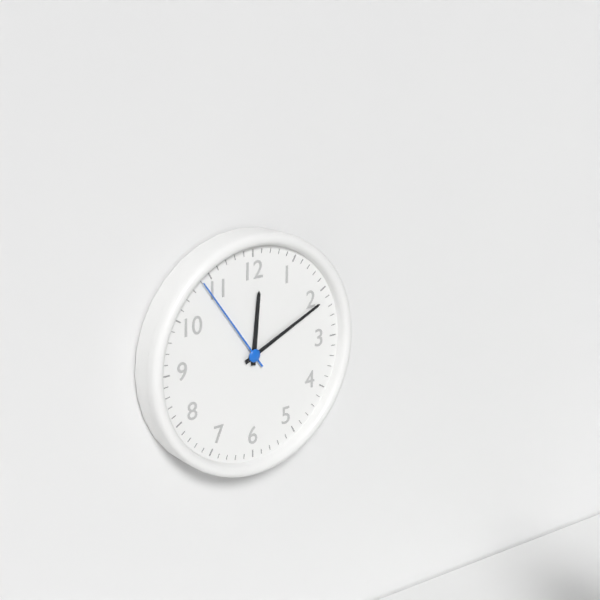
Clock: 12:11:54
